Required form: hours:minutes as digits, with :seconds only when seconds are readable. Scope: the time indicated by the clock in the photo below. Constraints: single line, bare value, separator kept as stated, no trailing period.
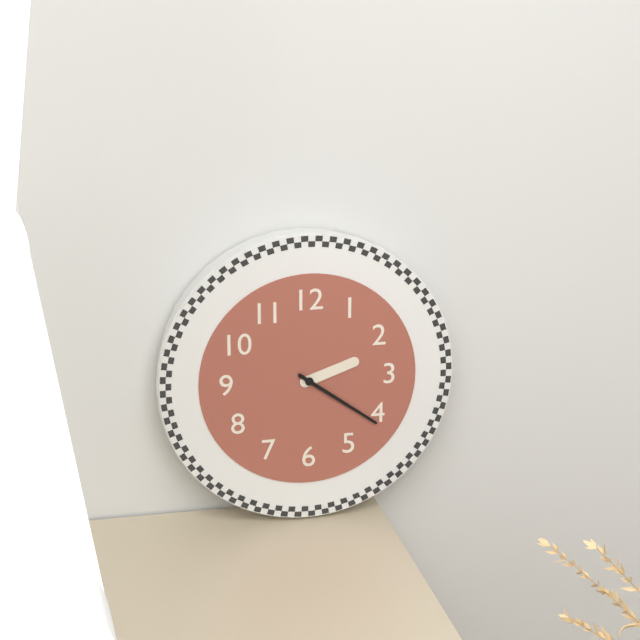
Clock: 2:21
